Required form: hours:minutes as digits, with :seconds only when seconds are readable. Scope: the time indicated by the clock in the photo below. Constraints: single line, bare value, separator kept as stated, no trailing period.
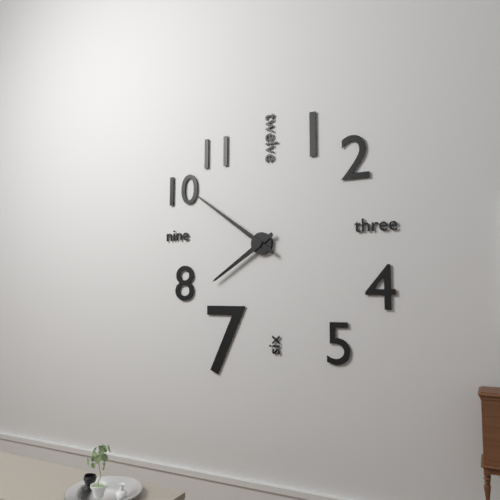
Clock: 7:51
